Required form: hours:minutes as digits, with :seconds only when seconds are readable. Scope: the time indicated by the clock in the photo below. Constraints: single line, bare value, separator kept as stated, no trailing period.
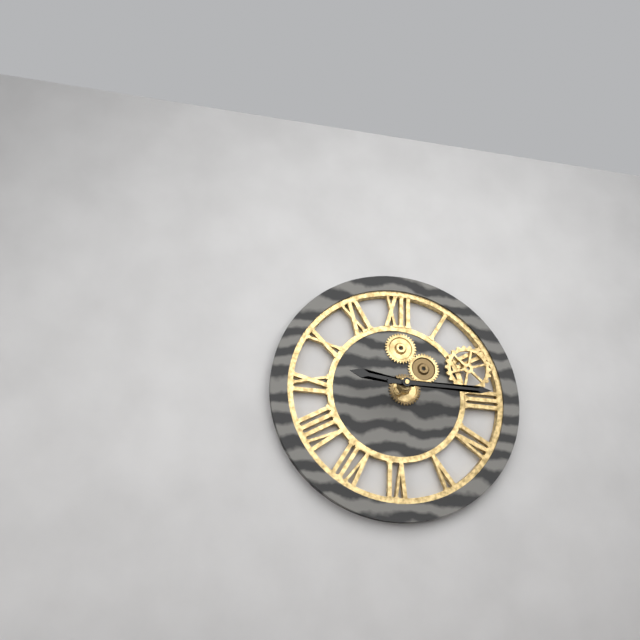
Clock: 9:15
